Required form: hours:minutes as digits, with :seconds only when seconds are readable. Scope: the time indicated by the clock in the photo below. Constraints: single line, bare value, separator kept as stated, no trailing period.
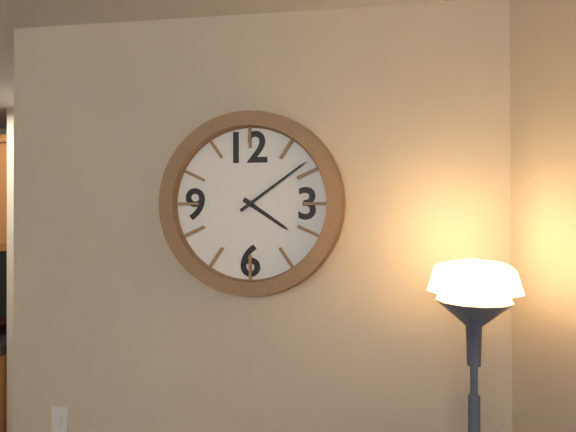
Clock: 4:09
